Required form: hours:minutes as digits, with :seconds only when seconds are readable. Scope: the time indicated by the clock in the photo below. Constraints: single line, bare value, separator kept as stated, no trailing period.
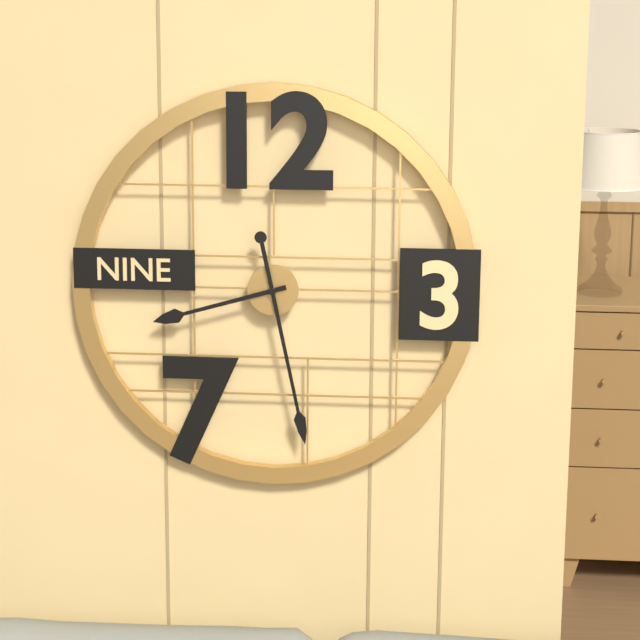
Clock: 8:28
